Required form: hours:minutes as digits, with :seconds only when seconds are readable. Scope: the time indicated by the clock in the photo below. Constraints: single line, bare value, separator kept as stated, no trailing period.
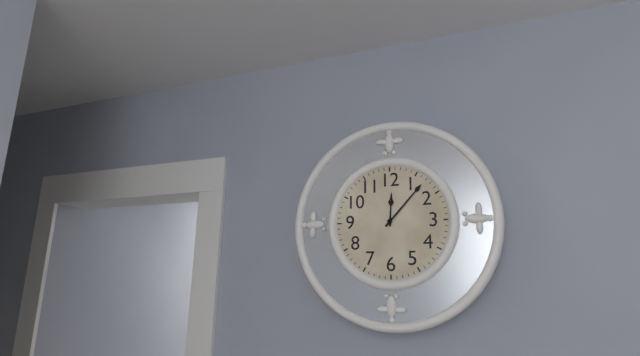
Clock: 12:07
